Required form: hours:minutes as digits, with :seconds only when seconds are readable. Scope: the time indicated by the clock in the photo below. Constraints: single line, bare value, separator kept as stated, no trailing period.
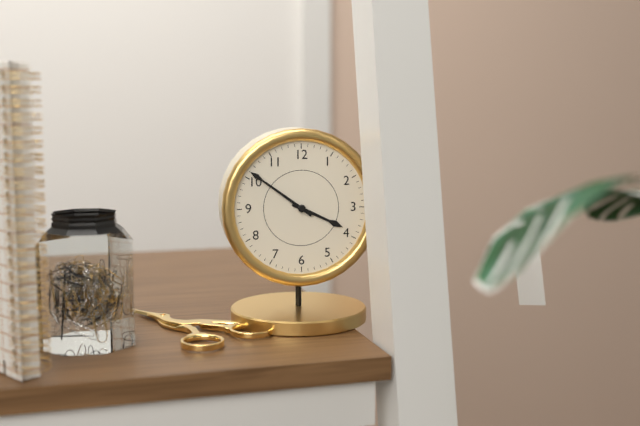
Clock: 3:51
